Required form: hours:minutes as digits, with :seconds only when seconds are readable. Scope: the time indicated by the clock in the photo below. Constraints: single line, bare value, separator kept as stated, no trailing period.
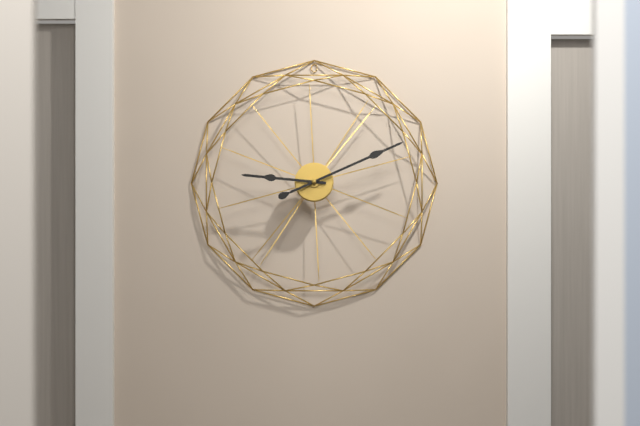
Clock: 9:11
